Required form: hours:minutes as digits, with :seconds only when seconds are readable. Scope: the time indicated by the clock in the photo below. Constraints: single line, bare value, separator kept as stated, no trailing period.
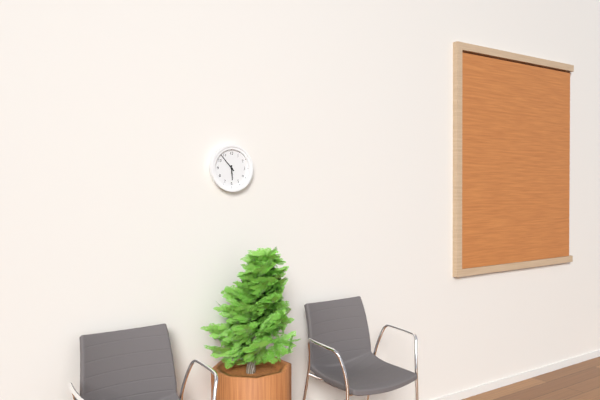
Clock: 5:53
